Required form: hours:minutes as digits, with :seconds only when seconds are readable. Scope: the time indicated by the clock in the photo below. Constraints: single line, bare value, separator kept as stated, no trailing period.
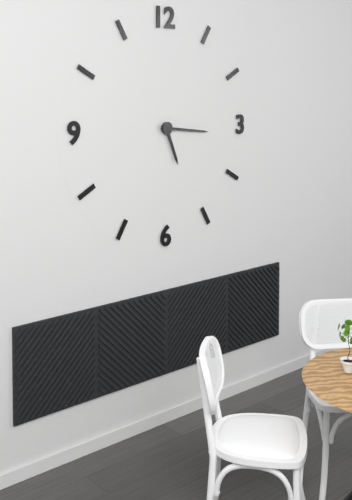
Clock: 5:16
